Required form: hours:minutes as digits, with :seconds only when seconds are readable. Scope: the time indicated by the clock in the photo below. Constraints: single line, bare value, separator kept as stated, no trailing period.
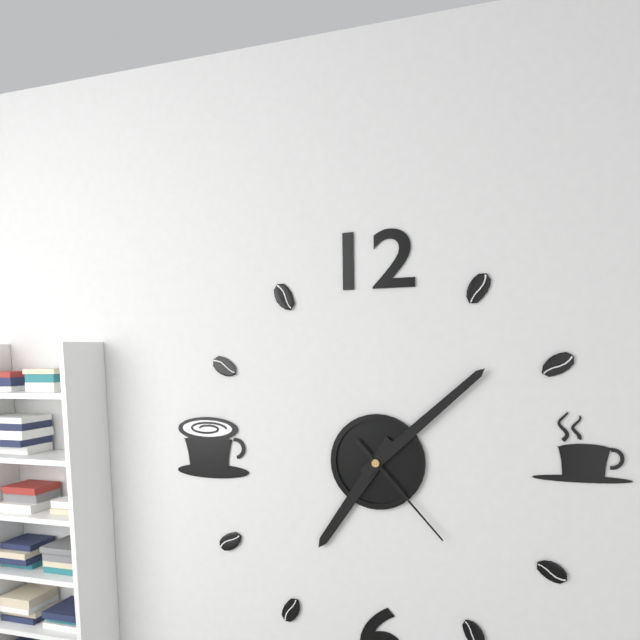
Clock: 7:08:23
